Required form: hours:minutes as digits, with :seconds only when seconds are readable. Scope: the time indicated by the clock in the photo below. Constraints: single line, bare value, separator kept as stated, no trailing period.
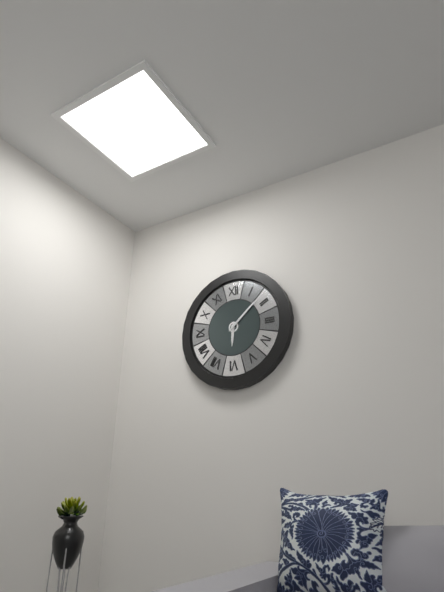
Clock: 6:08
